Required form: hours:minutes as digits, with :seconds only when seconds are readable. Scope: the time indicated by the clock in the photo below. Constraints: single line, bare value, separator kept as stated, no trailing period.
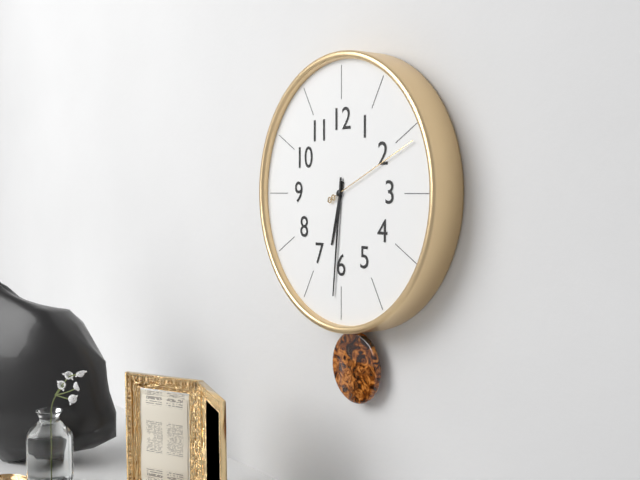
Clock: 6:31:11
